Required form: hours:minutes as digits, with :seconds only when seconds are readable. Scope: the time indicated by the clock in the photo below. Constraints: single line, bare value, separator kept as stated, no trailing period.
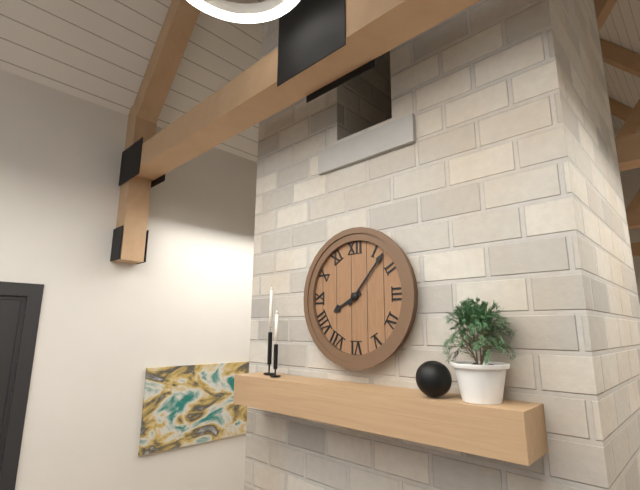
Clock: 8:07
